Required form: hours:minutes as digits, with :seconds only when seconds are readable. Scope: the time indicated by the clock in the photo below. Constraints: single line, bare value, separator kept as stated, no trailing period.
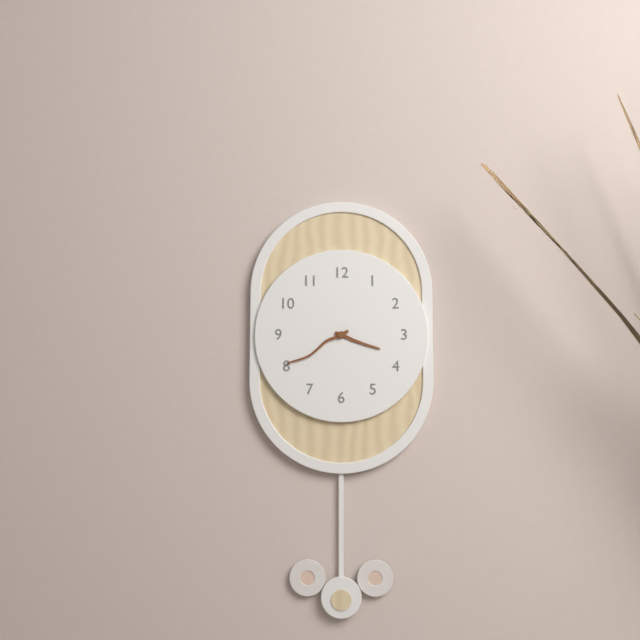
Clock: 3:40
